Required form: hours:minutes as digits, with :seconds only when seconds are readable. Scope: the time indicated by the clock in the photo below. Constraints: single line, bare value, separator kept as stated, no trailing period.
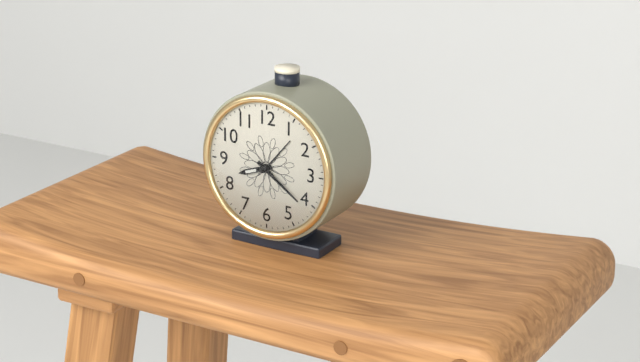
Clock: 8:21
